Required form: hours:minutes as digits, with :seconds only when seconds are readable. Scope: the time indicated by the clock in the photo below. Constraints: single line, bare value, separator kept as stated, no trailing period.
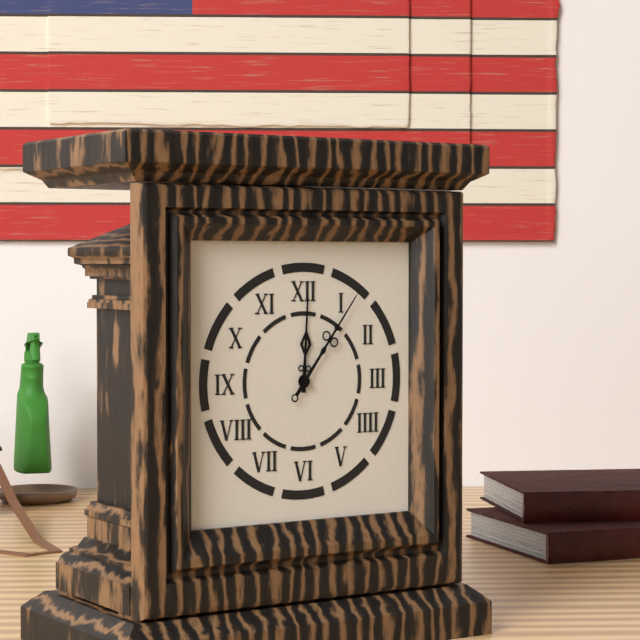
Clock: 12:06
